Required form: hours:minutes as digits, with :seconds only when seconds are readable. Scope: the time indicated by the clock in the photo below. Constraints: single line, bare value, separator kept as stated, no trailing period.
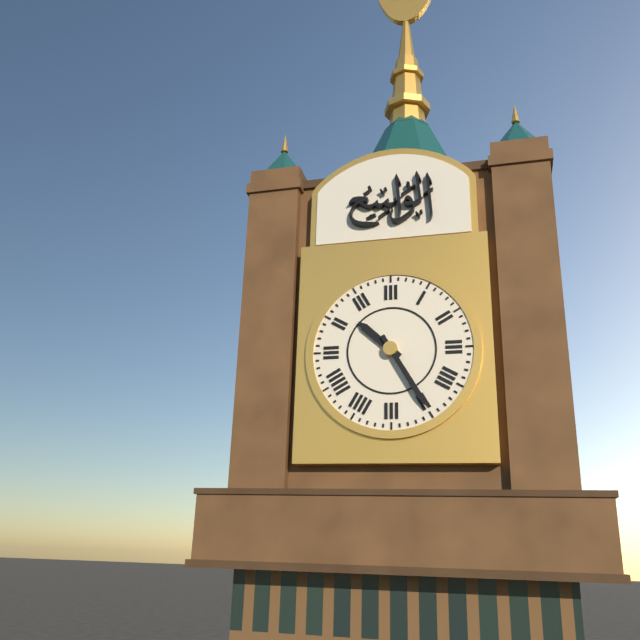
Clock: 10:25
